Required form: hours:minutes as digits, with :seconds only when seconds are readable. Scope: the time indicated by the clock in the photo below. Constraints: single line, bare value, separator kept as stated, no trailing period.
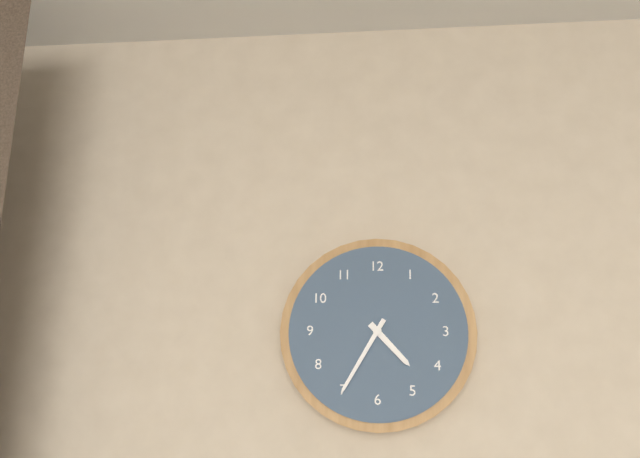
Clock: 4:35
